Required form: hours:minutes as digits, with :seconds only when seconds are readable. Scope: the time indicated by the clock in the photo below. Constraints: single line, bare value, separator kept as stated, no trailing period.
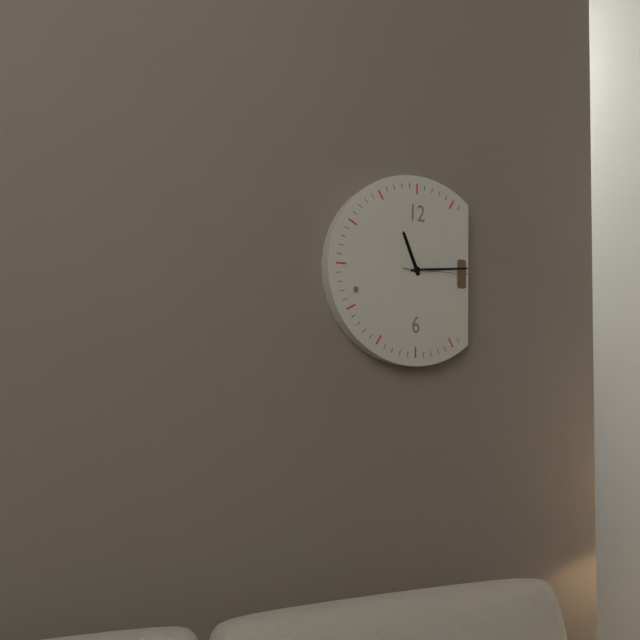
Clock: 11:14:15
